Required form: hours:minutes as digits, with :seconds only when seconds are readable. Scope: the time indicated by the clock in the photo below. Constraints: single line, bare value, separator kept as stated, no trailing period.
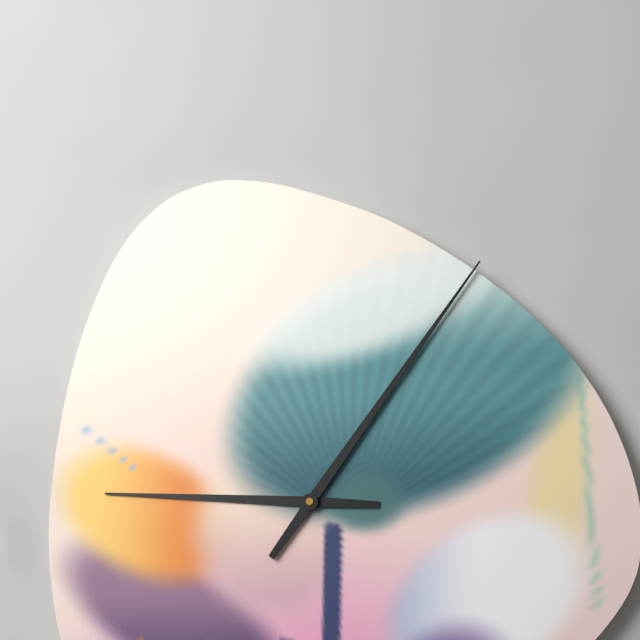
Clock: 9:06
